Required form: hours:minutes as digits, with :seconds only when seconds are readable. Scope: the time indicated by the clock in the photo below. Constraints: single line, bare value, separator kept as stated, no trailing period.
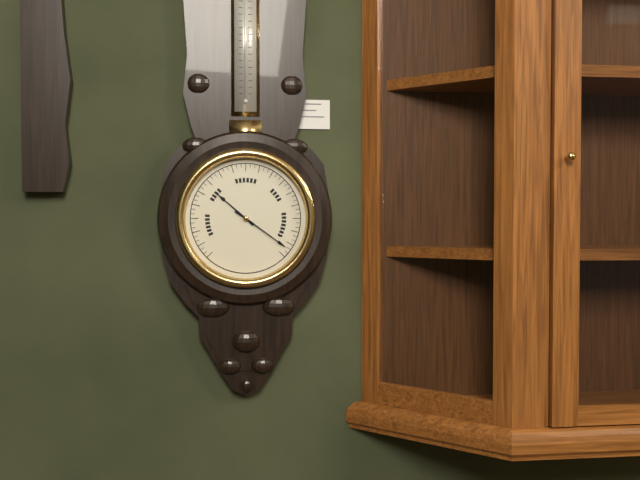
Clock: 10:21
